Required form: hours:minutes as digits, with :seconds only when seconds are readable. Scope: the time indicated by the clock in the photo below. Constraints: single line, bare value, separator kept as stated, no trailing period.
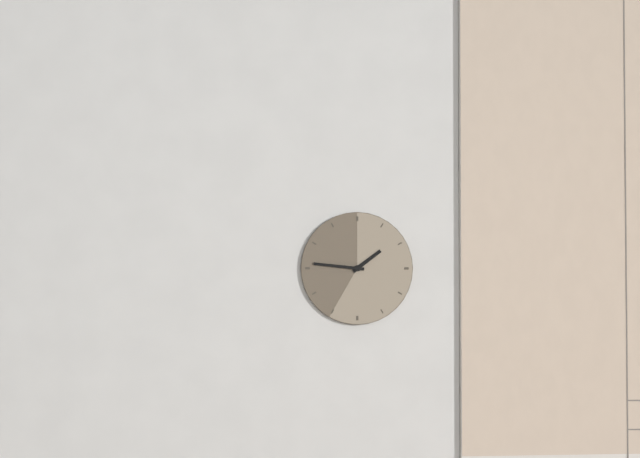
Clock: 1:46
